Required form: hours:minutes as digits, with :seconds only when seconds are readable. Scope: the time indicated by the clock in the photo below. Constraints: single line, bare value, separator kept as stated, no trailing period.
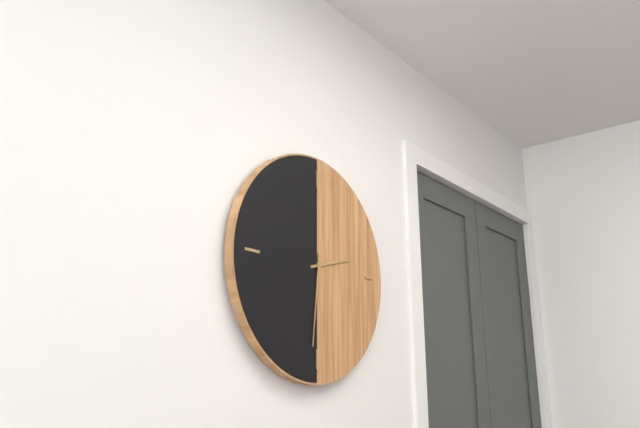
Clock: 2:31
